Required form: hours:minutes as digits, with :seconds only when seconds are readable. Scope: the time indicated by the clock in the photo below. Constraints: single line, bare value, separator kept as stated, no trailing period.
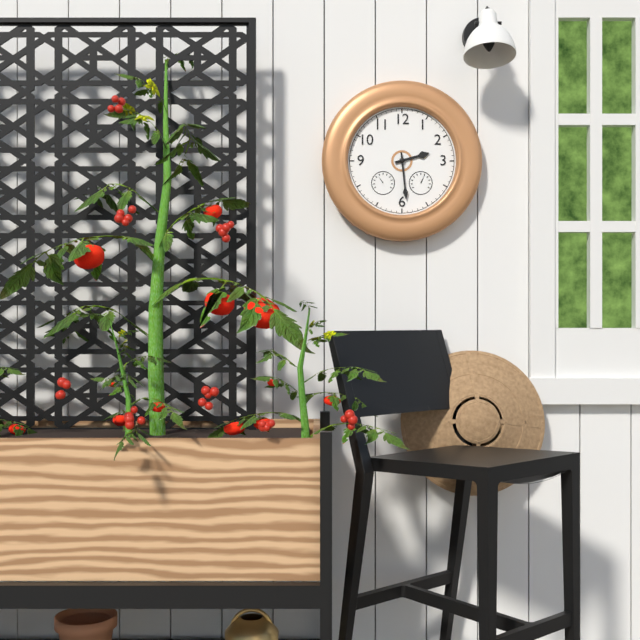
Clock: 2:29
